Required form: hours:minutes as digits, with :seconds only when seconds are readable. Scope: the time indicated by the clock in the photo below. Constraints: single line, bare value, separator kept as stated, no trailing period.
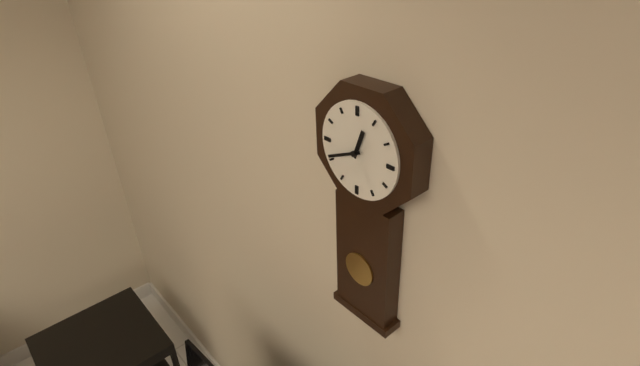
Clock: 12:41
